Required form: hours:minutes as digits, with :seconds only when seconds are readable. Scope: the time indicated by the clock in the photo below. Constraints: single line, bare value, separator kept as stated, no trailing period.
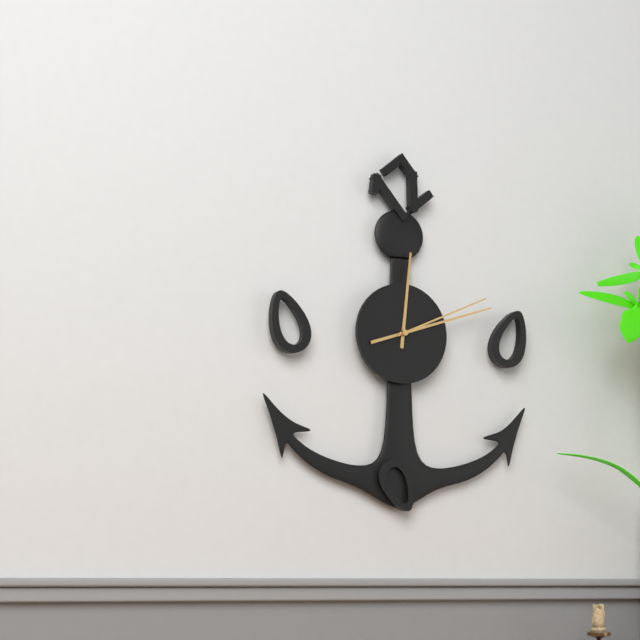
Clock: 12:12:11
